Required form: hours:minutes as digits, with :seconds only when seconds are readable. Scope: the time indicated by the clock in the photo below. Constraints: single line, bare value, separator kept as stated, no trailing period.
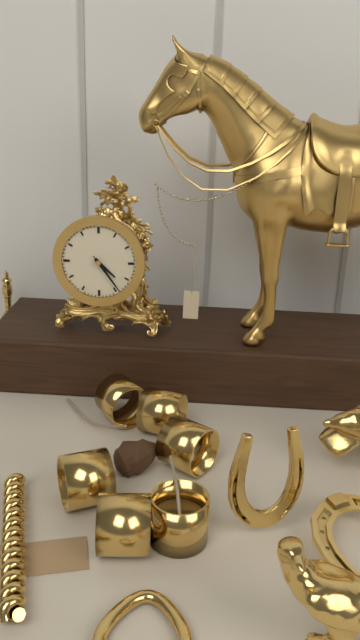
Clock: 4:24
